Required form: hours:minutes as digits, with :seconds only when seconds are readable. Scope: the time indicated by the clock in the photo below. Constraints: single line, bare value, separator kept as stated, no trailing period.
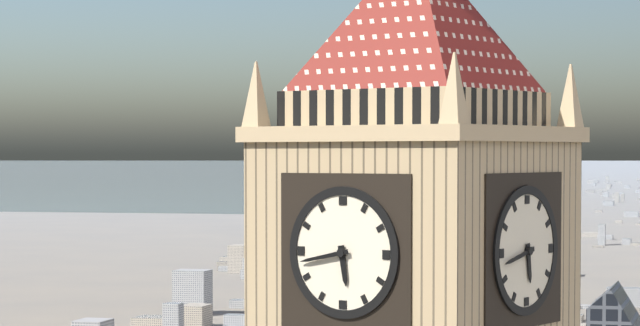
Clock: 5:43
